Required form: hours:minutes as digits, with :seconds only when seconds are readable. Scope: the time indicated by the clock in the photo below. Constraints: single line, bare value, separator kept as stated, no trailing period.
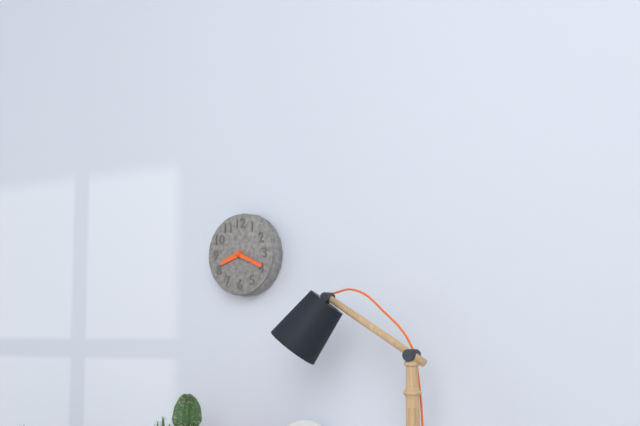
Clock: 8:19
